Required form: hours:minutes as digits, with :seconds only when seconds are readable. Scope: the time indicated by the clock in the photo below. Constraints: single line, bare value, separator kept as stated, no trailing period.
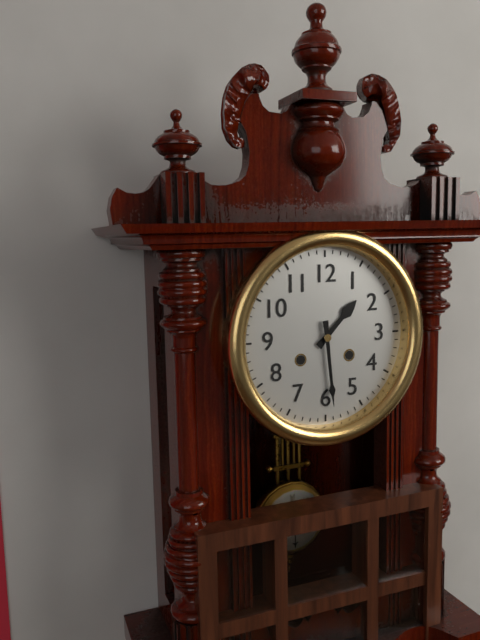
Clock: 1:29
